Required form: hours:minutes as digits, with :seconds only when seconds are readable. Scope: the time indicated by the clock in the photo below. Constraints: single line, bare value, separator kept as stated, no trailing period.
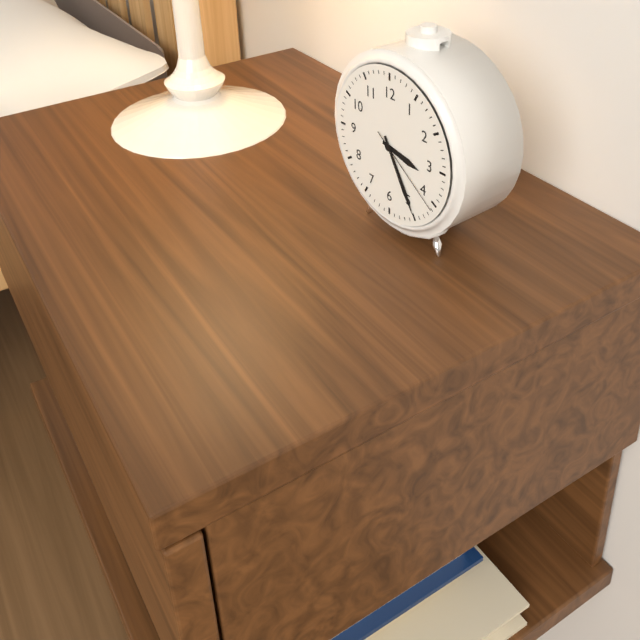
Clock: 3:25:21
